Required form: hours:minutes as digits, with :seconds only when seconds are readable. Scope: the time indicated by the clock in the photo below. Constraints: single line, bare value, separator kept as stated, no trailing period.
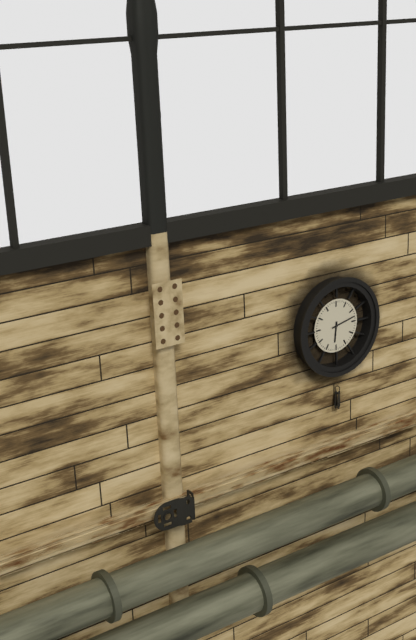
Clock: 6:13
